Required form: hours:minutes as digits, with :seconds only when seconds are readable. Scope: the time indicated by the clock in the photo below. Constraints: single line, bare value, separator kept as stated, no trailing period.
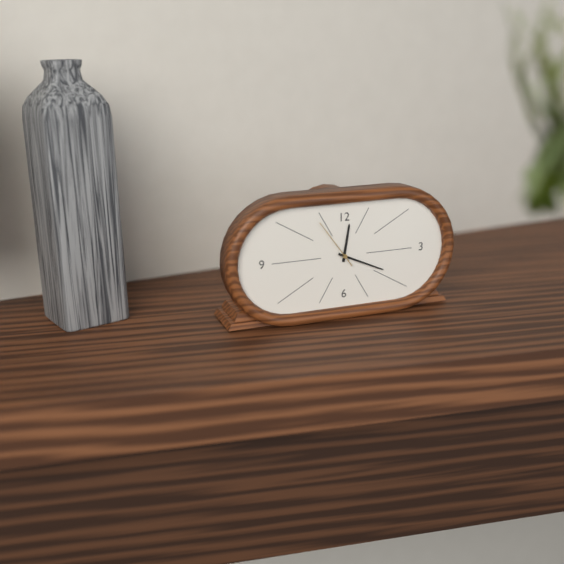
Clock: 12:19:54
